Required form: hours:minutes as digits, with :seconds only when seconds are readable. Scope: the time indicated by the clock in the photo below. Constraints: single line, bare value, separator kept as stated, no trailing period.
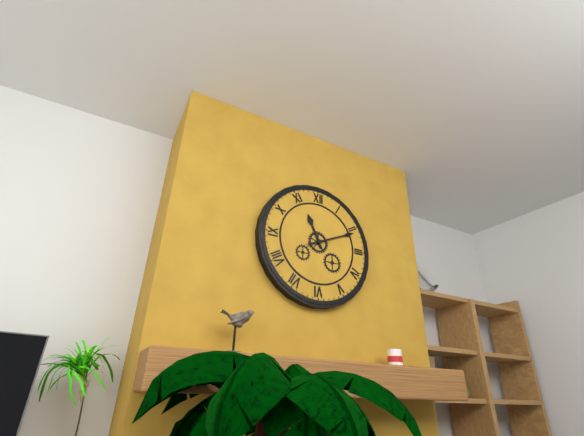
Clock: 11:11
